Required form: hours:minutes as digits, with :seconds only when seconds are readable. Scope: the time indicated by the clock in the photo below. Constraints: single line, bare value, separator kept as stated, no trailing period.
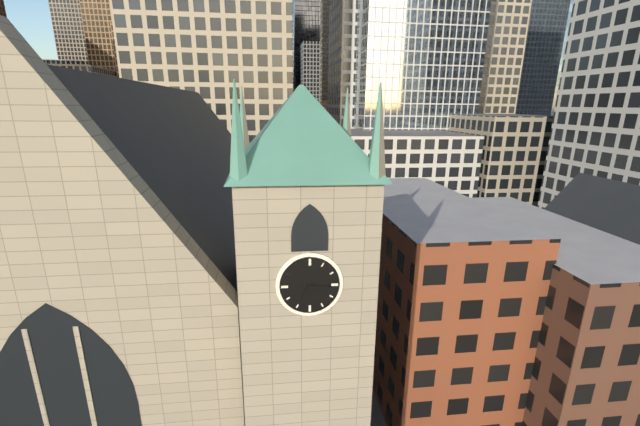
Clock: 7:16
